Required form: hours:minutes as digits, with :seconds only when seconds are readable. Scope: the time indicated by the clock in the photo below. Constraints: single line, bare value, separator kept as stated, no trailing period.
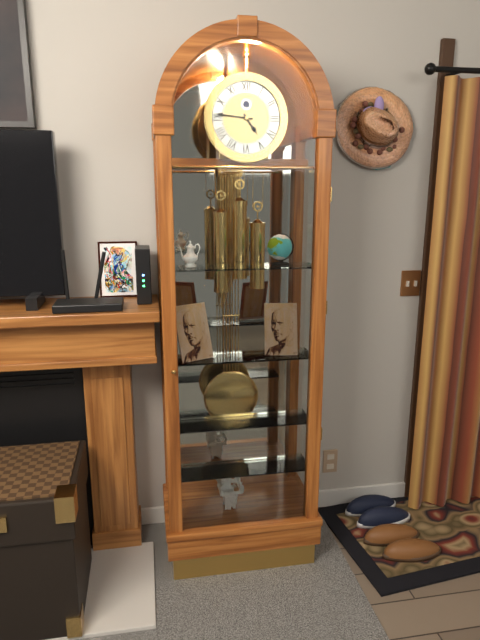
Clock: 4:46
